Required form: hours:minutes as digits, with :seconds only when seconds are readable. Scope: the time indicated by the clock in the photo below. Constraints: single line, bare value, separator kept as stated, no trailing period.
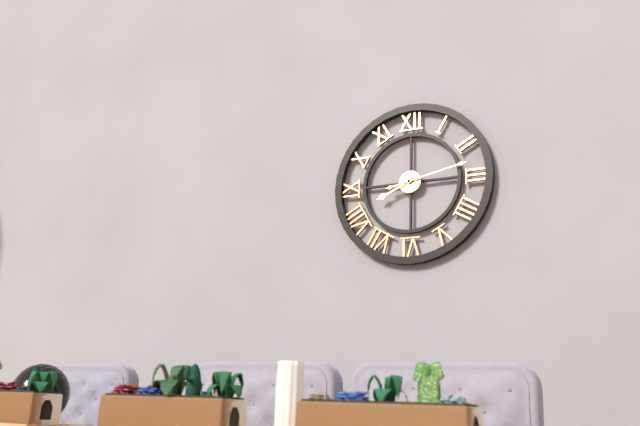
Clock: 8:13
